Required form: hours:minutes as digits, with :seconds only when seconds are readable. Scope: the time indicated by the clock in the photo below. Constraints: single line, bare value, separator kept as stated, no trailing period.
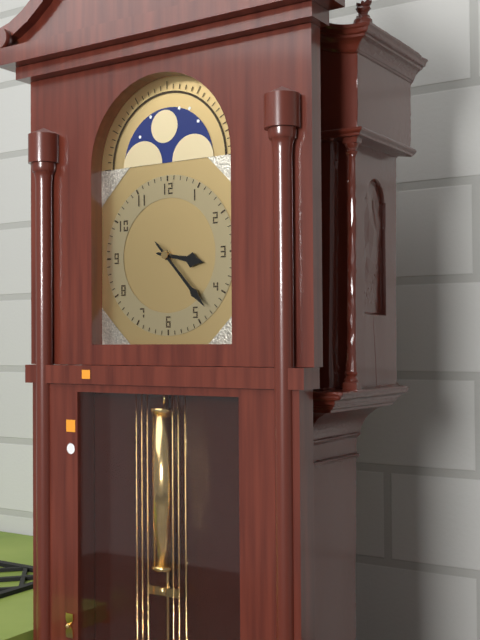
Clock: 3:23
